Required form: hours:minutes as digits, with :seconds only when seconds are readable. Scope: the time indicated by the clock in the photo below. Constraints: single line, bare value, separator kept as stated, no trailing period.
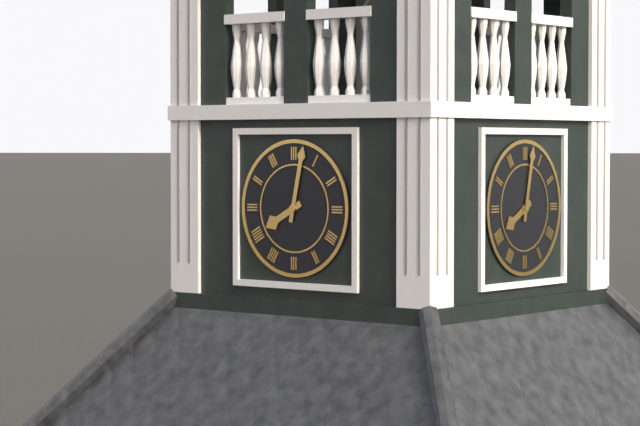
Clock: 8:02
